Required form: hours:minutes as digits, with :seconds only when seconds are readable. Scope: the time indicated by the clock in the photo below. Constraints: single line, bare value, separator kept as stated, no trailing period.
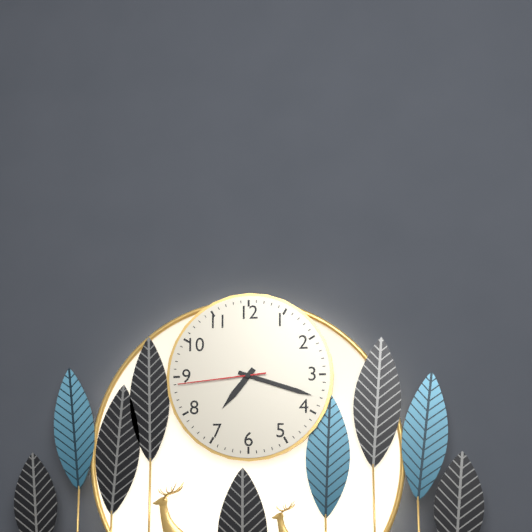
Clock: 7:18:44
